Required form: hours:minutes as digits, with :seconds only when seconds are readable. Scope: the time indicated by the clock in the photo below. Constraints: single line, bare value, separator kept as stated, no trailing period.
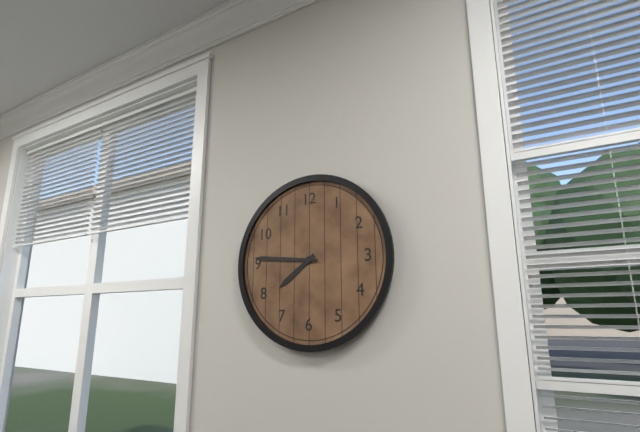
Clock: 7:46
